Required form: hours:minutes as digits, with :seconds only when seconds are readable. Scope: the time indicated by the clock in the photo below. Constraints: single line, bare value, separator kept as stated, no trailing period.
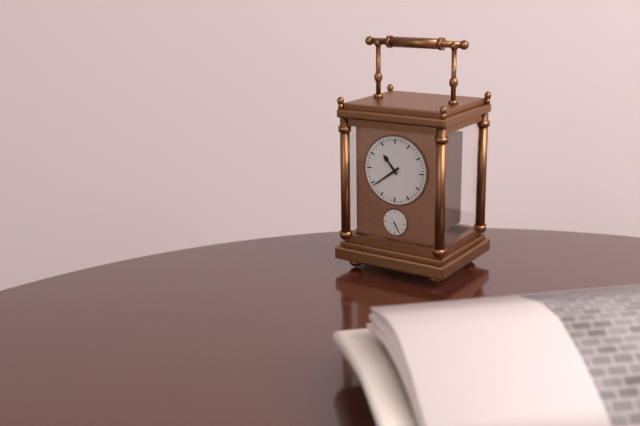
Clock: 10:39
